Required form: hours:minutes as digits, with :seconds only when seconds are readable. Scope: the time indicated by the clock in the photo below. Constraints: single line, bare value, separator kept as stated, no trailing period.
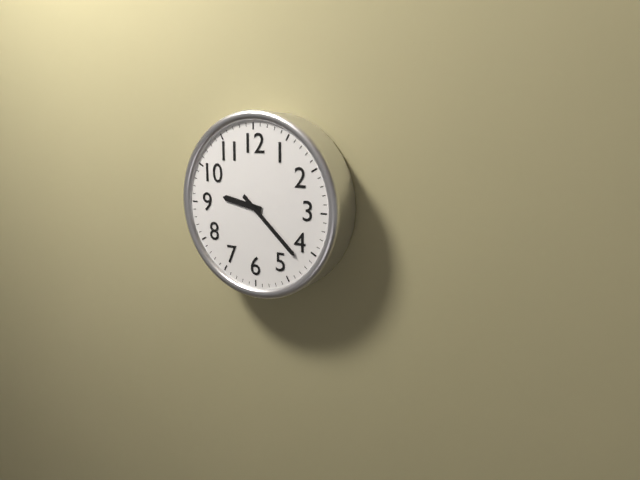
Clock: 9:22
